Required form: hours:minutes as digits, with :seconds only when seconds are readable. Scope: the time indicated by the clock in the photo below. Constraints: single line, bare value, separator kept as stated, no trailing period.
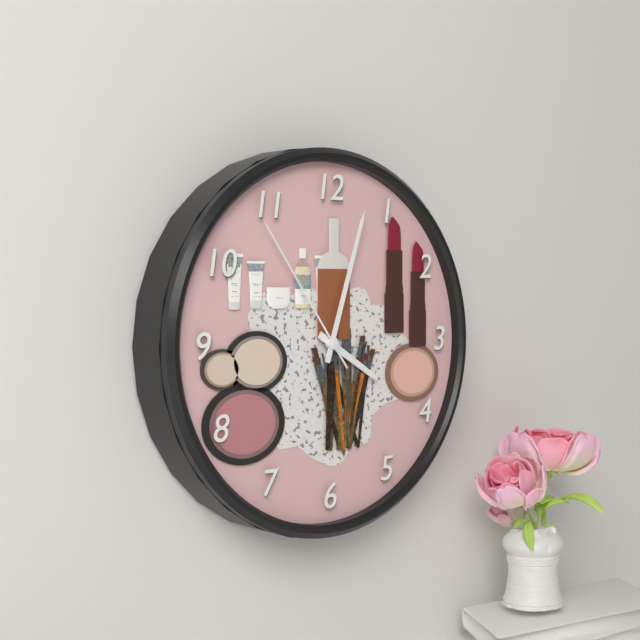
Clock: 4:03:54
